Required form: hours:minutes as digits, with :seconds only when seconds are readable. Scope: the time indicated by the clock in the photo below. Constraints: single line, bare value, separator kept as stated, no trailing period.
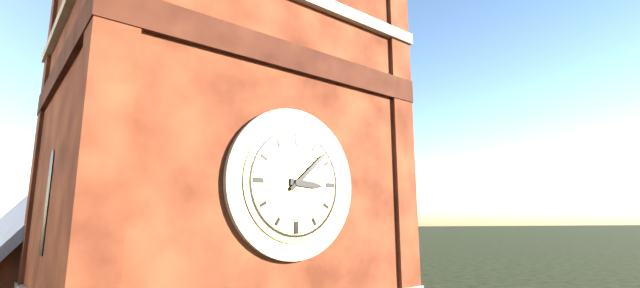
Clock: 3:08
